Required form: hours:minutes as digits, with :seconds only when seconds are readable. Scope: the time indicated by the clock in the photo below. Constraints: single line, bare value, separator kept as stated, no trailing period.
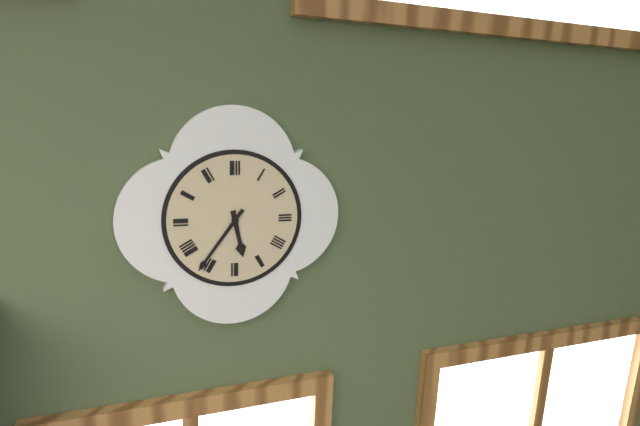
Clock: 5:36
